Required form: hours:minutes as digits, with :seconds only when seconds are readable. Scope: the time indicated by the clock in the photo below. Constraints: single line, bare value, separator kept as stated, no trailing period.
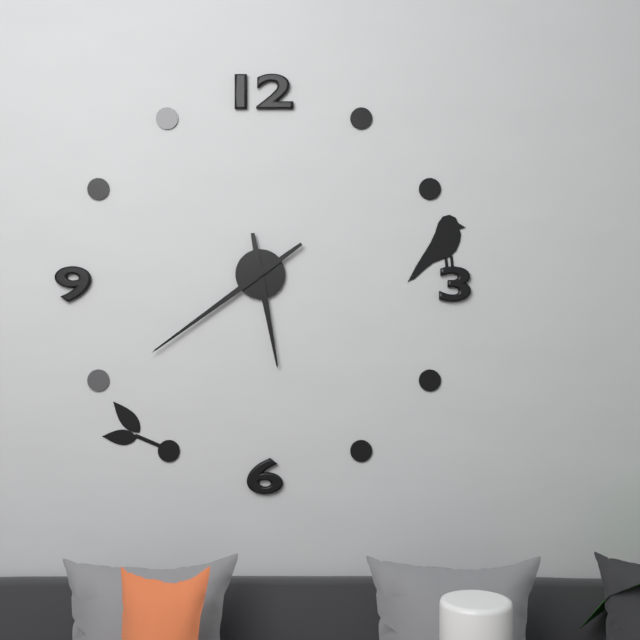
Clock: 5:39
